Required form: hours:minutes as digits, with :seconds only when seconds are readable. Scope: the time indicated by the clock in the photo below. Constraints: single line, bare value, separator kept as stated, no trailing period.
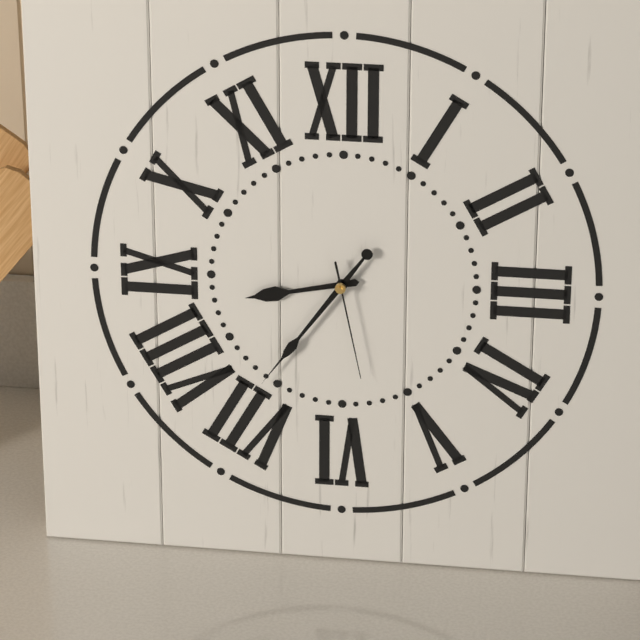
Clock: 8:36:28
